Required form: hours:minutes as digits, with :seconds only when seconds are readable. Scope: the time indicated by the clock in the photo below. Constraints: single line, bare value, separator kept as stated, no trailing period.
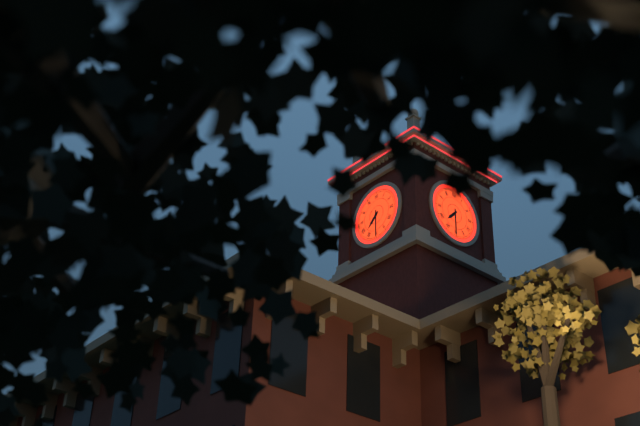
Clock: 7:30
